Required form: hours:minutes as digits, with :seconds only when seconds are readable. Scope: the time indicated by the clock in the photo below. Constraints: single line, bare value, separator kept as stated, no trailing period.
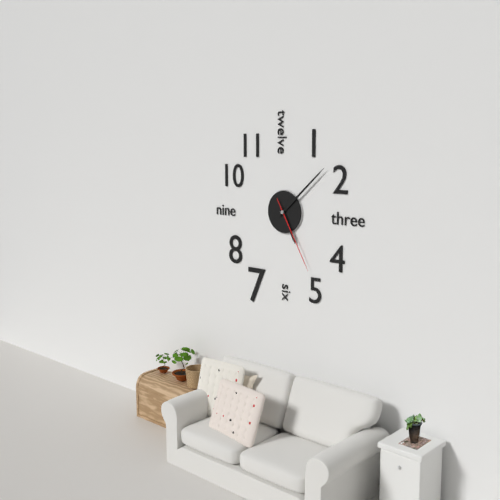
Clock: 5:08:25
